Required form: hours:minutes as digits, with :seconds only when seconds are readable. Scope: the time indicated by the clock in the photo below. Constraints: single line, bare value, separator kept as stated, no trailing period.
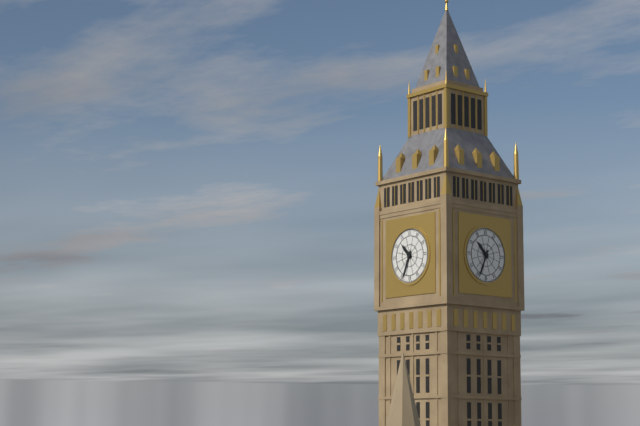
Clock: 10:34
